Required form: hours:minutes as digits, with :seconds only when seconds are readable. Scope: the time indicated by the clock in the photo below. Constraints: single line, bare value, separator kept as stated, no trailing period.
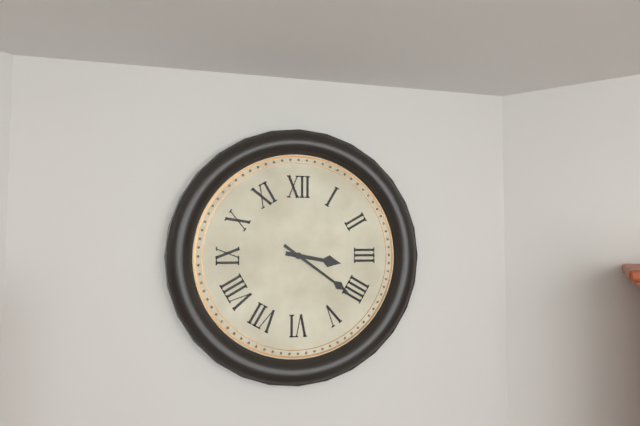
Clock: 3:21
